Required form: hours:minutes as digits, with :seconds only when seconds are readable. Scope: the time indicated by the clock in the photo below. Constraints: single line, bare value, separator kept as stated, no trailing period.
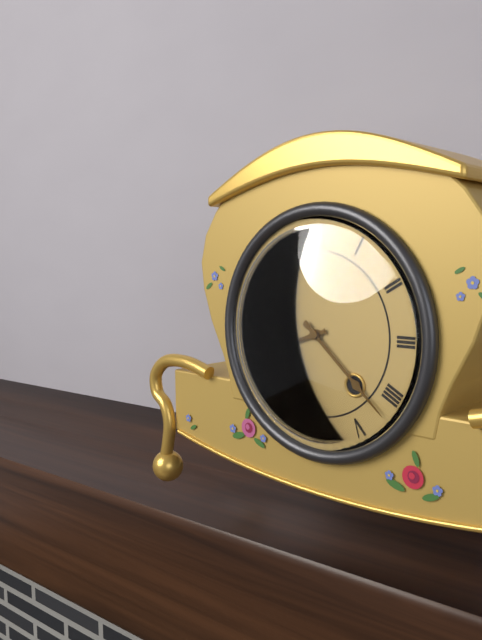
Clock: 8:22
